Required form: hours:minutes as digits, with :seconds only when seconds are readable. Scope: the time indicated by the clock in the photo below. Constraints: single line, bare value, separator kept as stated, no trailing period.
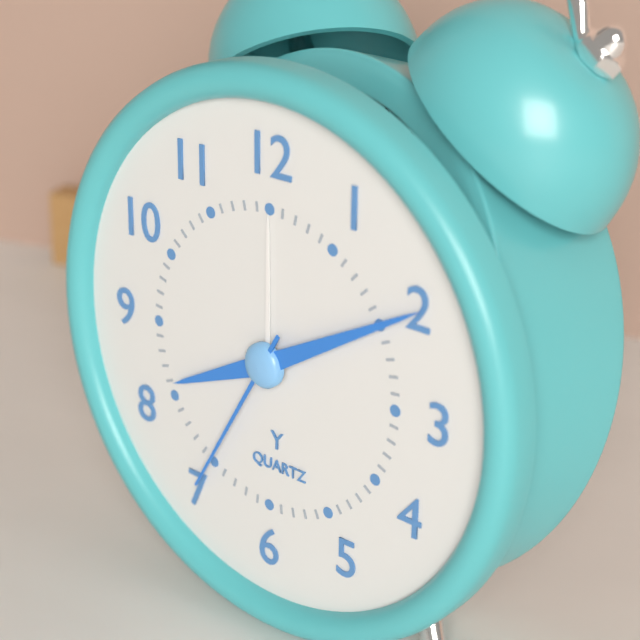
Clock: 8:10:35
